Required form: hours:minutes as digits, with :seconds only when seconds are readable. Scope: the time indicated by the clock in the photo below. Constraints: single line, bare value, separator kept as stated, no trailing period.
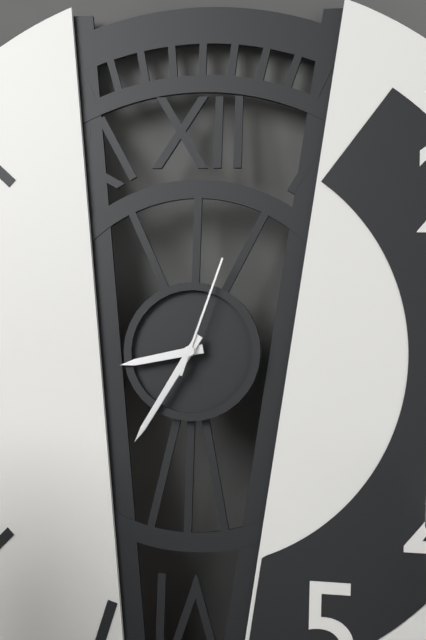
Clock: 8:35:03
